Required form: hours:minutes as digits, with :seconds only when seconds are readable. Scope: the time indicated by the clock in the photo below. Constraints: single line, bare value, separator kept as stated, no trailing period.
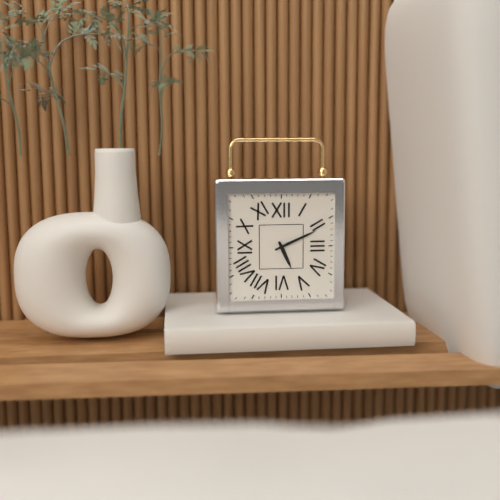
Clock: 5:11
